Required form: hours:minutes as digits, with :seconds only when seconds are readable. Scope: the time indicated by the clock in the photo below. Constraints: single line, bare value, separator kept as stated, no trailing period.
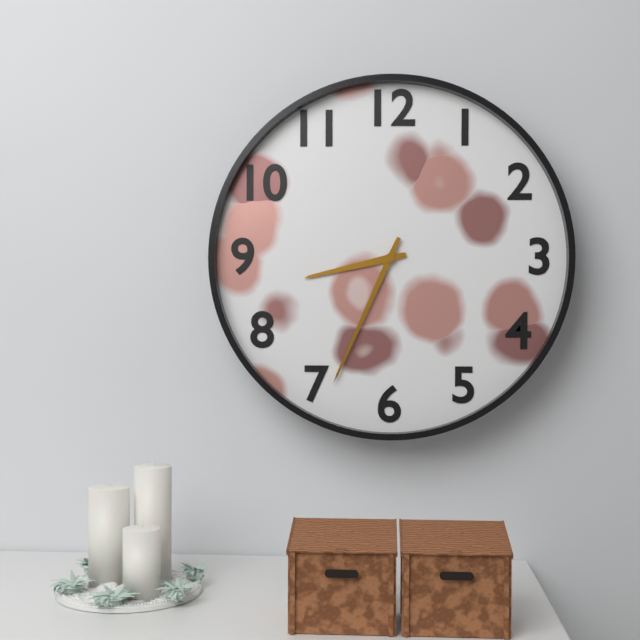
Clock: 8:34
